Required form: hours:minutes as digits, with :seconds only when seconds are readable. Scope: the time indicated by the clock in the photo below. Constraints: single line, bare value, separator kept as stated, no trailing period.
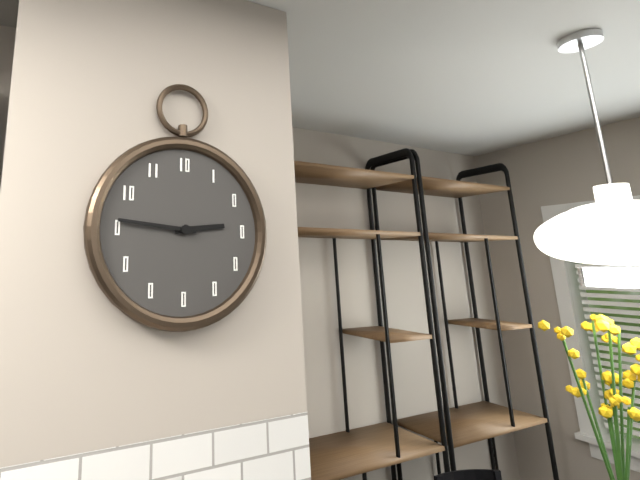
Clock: 2:46
